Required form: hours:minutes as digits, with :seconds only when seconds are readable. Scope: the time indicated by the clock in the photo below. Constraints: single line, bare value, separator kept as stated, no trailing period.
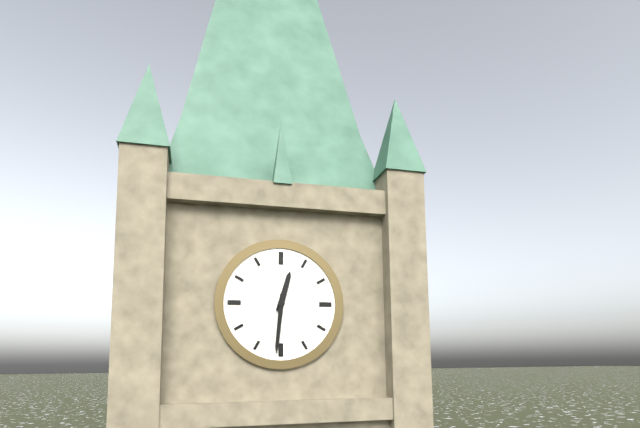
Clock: 12:31
